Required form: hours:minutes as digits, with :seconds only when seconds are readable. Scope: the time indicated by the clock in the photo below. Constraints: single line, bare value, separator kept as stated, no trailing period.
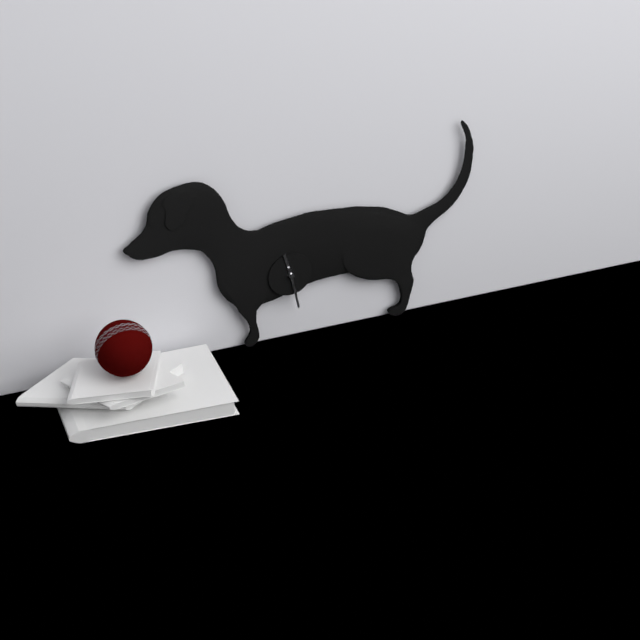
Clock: 11:28
